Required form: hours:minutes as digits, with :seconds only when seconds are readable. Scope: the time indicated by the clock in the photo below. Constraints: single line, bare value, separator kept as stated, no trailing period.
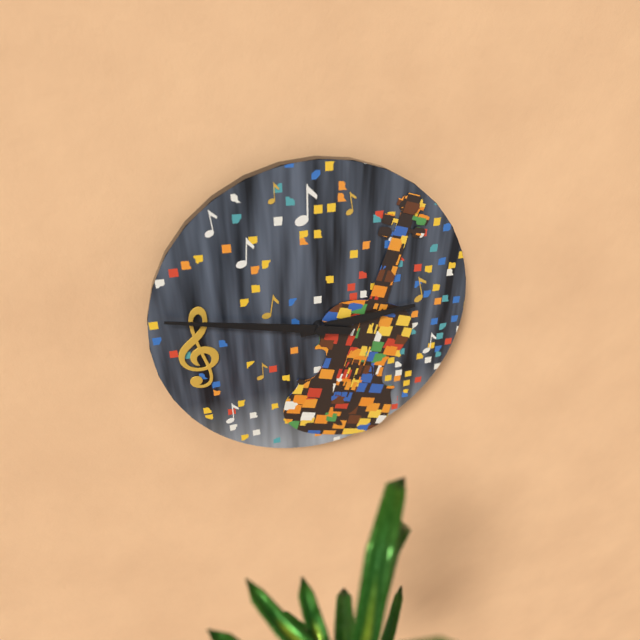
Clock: 2:47
